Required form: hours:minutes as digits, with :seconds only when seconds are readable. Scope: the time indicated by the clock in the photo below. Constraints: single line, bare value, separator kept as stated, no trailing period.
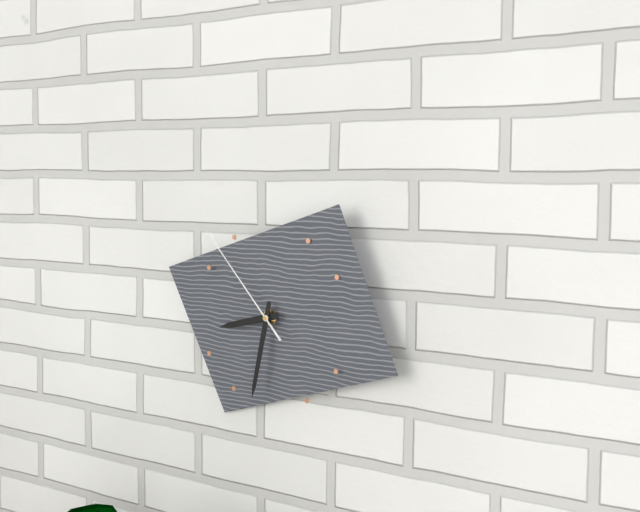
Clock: 8:32:53
